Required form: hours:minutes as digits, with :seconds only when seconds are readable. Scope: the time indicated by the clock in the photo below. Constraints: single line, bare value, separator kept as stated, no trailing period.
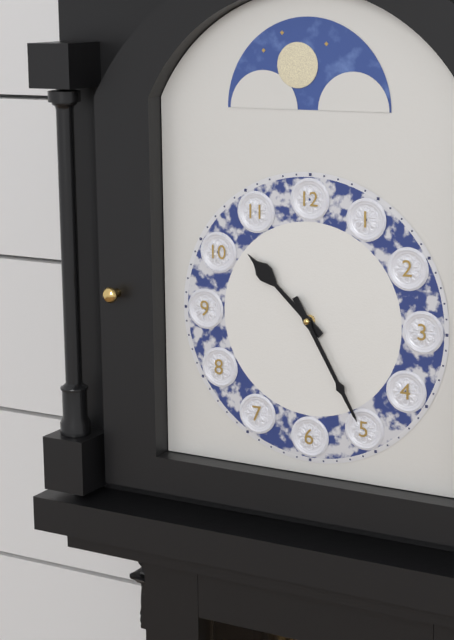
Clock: 10:25
